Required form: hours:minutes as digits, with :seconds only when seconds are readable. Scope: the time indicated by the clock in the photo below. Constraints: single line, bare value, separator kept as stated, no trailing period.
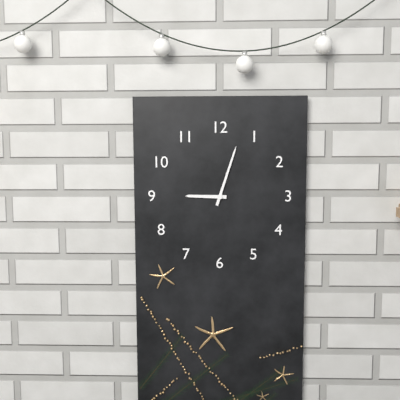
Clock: 9:03
